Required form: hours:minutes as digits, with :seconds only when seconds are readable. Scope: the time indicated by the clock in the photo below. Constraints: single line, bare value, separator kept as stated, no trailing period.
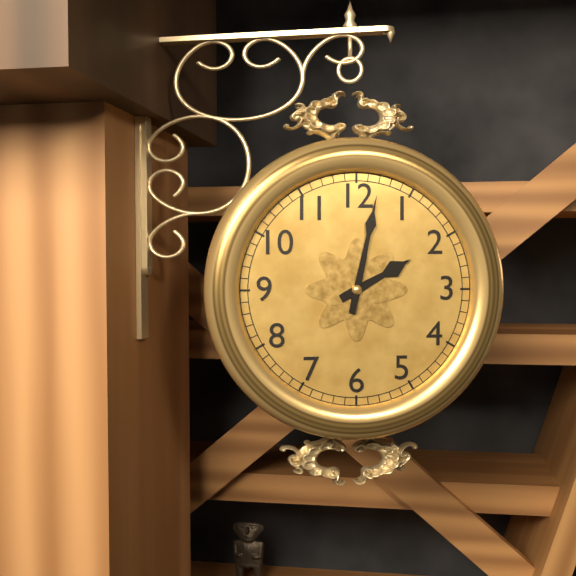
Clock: 2:02
